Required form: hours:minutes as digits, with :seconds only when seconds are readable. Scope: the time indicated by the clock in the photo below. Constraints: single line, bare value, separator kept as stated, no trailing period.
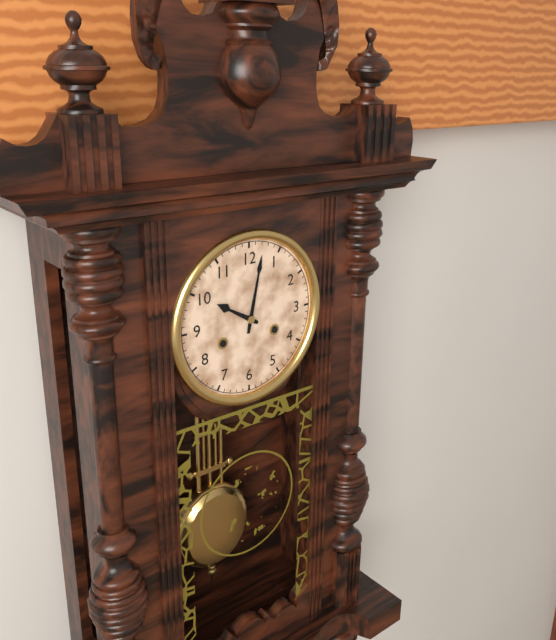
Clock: 10:02
